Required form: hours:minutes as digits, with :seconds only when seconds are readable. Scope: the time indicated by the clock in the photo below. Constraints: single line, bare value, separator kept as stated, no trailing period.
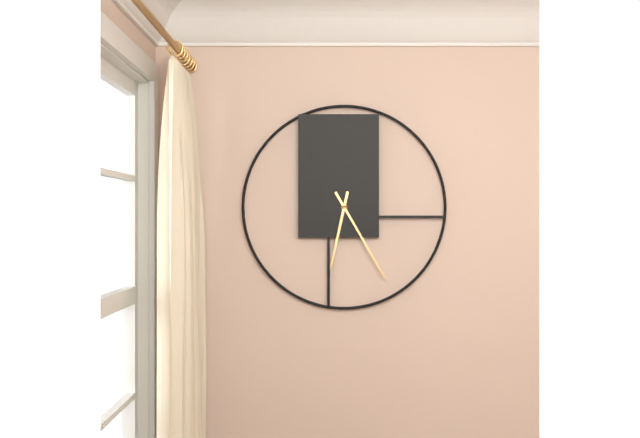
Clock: 6:25
